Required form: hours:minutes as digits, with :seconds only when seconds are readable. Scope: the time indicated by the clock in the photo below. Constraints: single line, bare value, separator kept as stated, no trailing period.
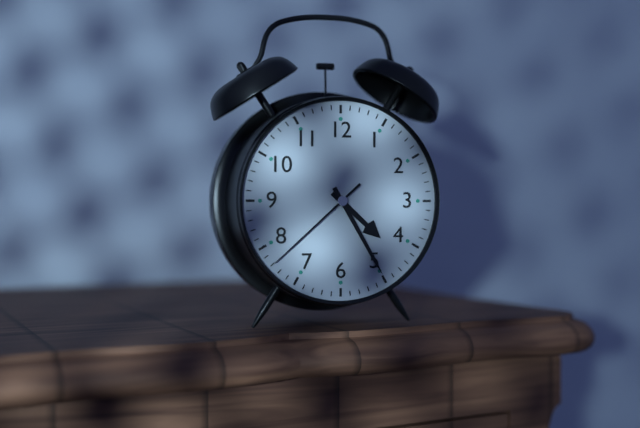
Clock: 4:25:38
